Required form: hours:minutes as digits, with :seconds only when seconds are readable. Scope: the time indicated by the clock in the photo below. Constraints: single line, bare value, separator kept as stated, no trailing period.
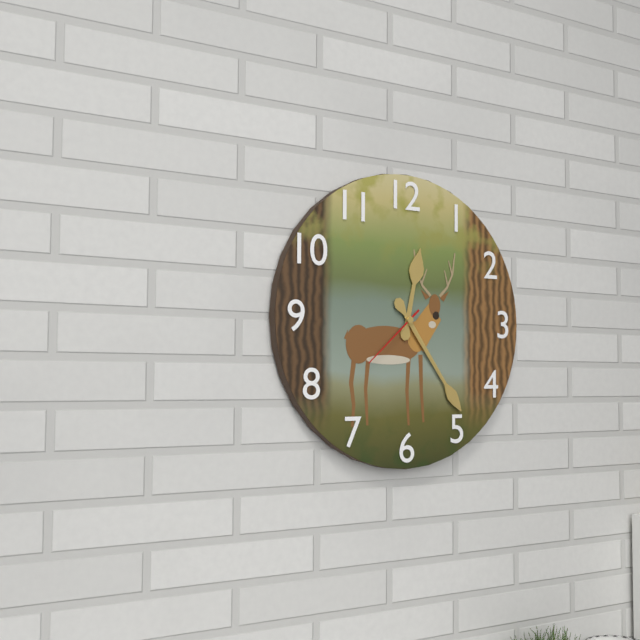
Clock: 12:24:38
